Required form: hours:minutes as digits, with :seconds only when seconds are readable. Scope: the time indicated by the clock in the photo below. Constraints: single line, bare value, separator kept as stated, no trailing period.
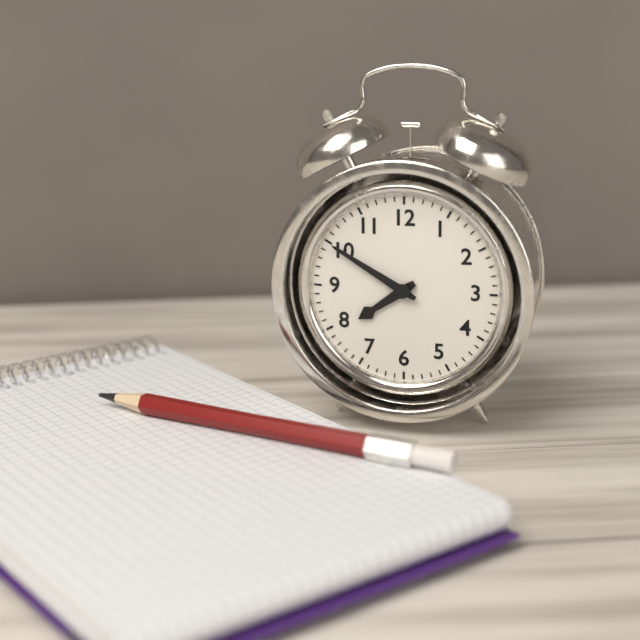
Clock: 7:50
